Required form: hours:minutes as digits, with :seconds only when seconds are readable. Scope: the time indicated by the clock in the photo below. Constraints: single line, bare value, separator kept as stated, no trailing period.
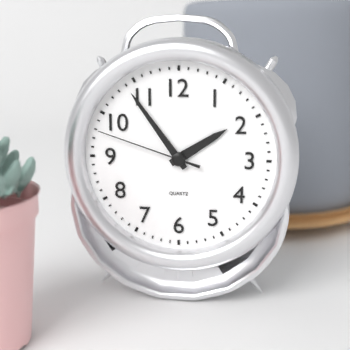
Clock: 1:54:48
